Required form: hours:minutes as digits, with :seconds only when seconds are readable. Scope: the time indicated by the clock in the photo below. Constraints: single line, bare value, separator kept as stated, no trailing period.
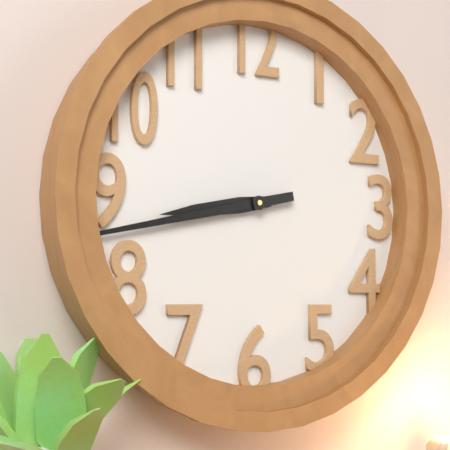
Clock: 8:43
